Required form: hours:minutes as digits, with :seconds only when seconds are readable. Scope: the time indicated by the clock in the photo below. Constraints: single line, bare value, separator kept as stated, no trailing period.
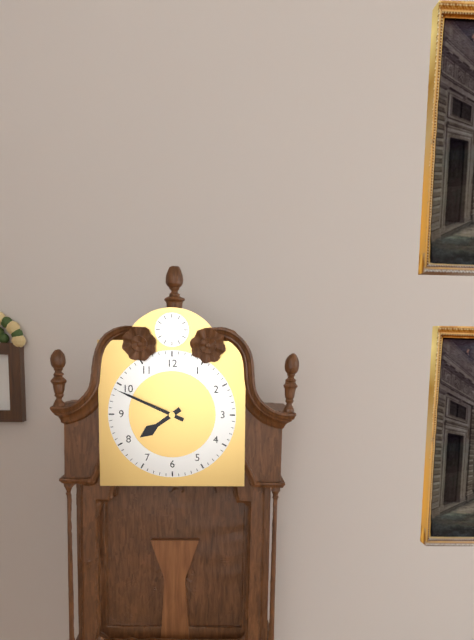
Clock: 7:49
